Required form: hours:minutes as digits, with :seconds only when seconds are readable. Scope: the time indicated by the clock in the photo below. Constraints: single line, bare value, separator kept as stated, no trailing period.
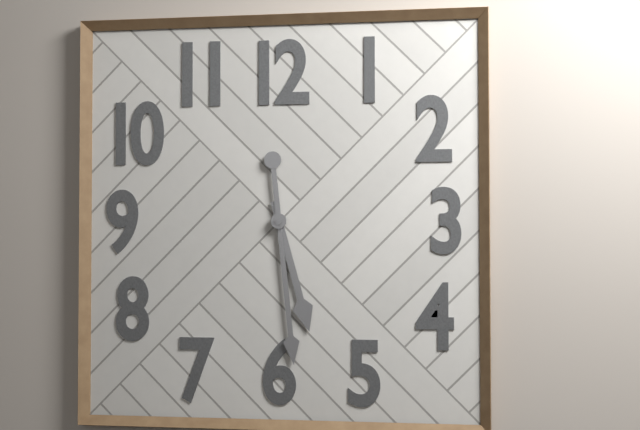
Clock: 5:29
